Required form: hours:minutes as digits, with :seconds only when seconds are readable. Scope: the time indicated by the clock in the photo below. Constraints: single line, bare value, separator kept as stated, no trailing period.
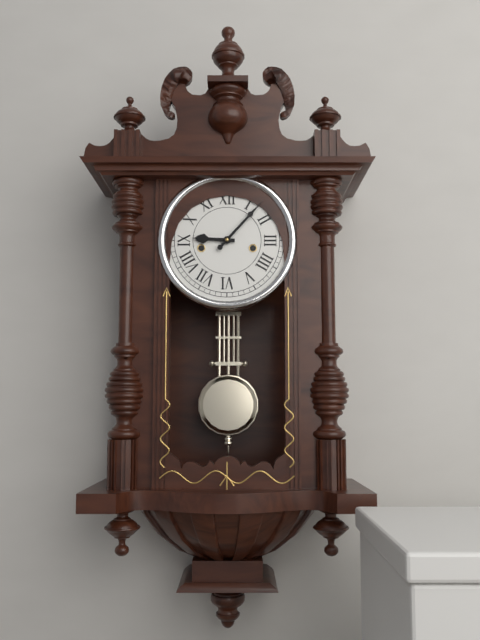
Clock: 9:07
